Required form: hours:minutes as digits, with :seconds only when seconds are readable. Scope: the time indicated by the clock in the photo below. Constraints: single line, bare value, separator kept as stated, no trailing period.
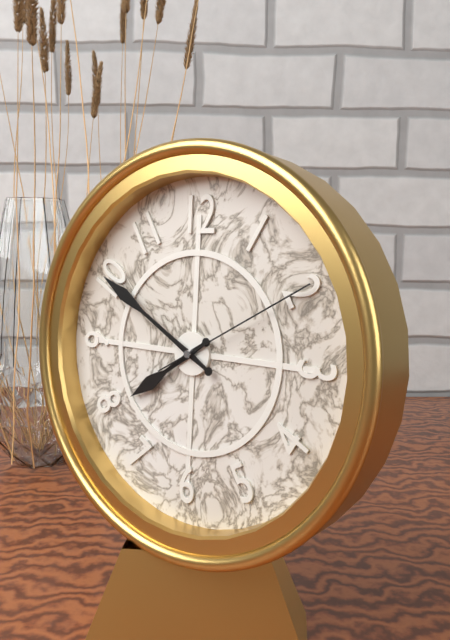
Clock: 7:50:10
